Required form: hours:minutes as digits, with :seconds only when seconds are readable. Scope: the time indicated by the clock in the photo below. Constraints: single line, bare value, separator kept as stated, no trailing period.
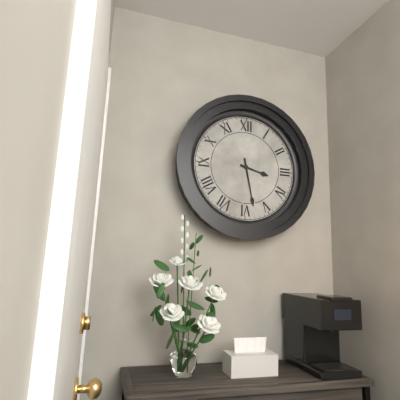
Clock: 3:28
